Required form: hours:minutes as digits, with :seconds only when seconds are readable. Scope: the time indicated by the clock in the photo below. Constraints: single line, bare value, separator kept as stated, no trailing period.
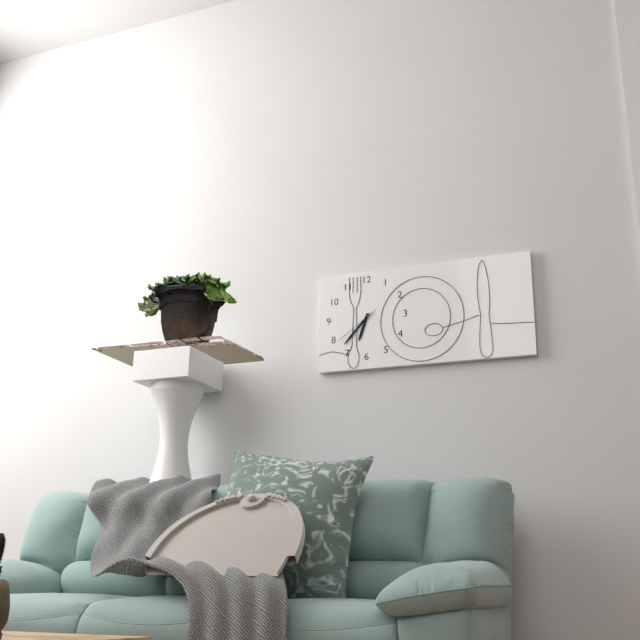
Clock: 6:37
